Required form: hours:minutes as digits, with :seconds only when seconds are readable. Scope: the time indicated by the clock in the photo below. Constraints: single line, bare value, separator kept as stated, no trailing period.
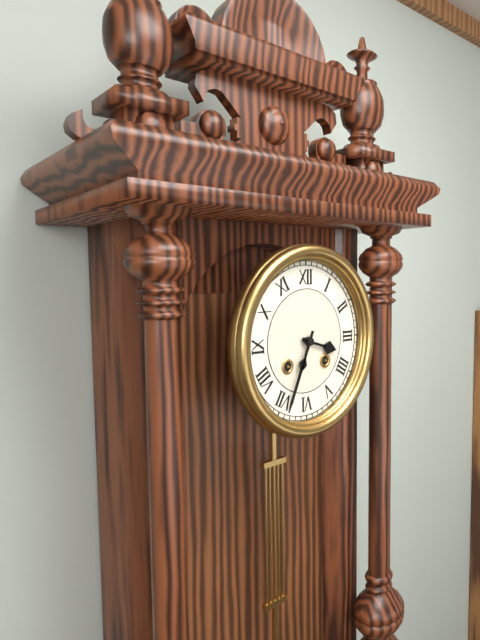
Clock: 3:34
